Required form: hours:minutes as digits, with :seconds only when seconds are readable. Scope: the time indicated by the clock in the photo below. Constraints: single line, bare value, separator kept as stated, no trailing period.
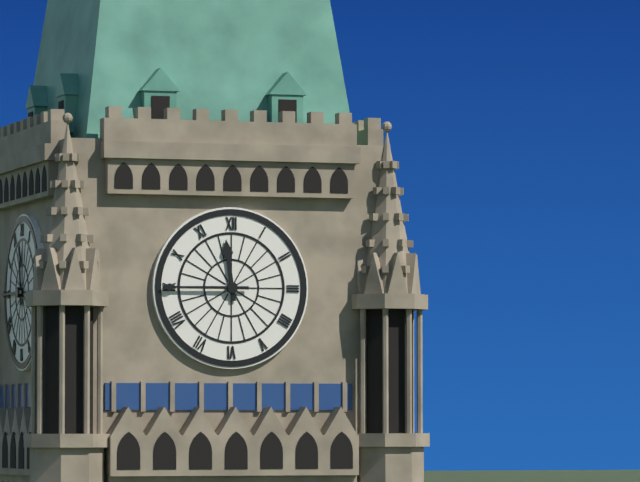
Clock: 11:45
